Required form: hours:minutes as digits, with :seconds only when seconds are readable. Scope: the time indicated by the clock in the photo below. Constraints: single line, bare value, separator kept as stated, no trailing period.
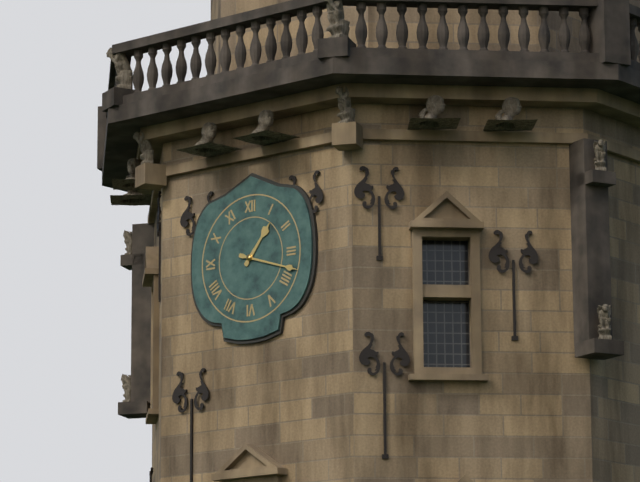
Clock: 1:18
